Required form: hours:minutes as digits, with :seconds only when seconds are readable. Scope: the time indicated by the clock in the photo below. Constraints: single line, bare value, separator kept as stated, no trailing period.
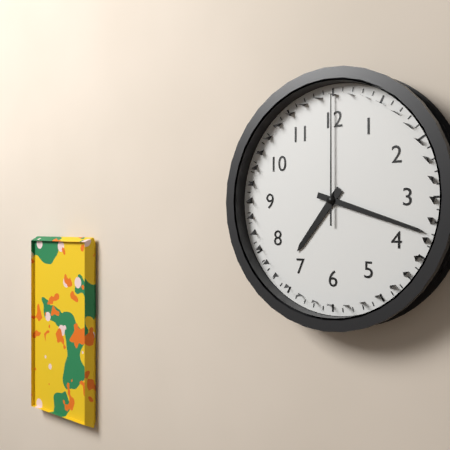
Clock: 7:18:00
